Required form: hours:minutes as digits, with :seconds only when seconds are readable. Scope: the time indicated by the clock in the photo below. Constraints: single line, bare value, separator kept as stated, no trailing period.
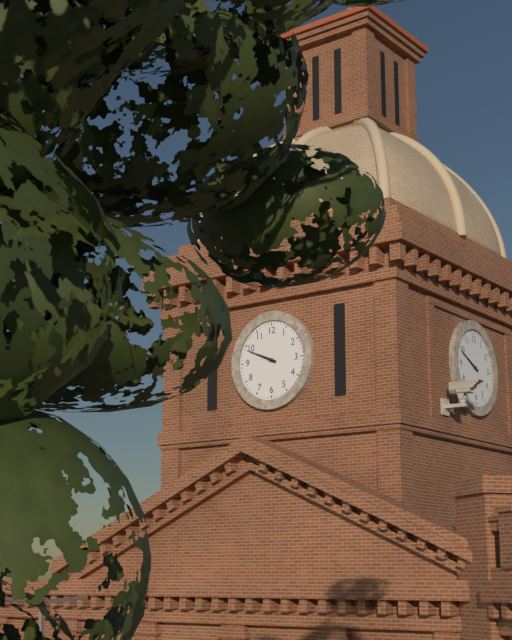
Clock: 9:49
